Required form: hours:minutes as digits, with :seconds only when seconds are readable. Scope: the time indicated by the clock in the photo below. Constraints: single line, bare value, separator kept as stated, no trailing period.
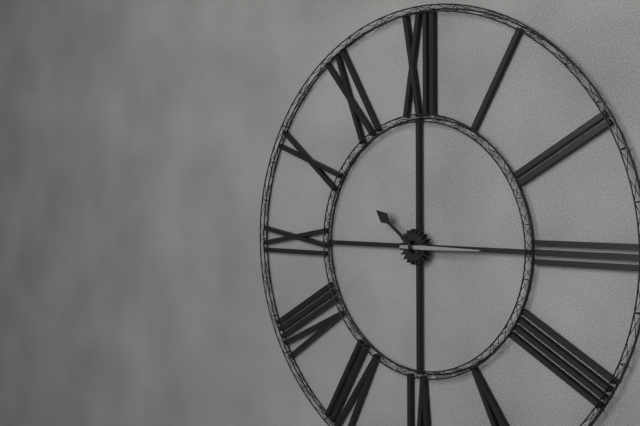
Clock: 10:15
